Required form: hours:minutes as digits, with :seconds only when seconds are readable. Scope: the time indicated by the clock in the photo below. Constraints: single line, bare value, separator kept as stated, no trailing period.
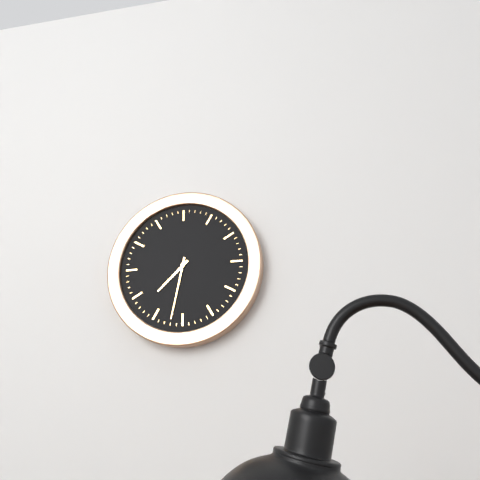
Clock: 7:32
